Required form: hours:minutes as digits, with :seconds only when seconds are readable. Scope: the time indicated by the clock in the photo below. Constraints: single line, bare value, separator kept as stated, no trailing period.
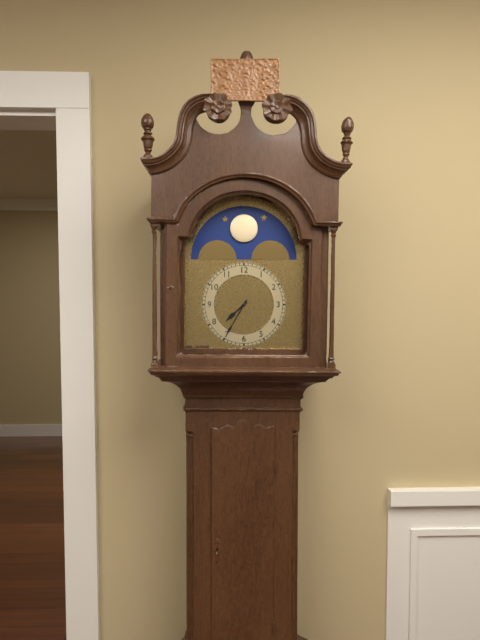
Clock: 7:35
